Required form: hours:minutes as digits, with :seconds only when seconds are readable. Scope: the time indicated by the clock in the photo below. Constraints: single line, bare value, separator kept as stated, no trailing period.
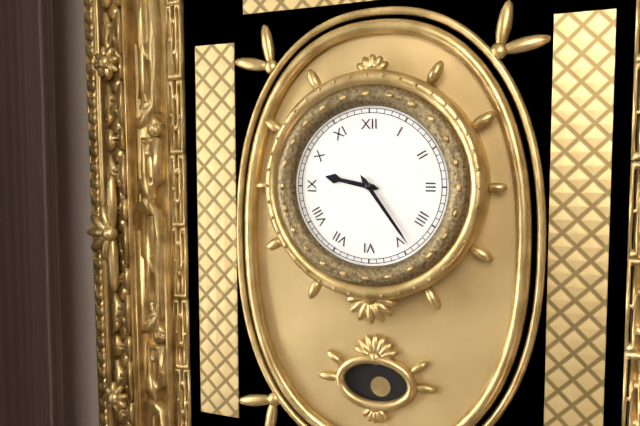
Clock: 9:24
